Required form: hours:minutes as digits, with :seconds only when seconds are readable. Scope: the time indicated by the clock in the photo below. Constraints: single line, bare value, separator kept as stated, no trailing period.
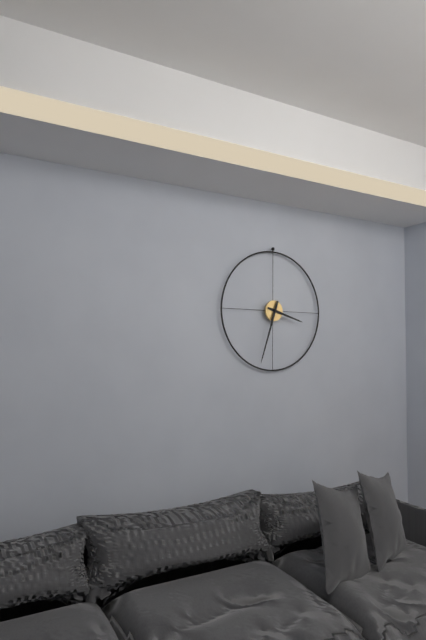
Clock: 3:33
